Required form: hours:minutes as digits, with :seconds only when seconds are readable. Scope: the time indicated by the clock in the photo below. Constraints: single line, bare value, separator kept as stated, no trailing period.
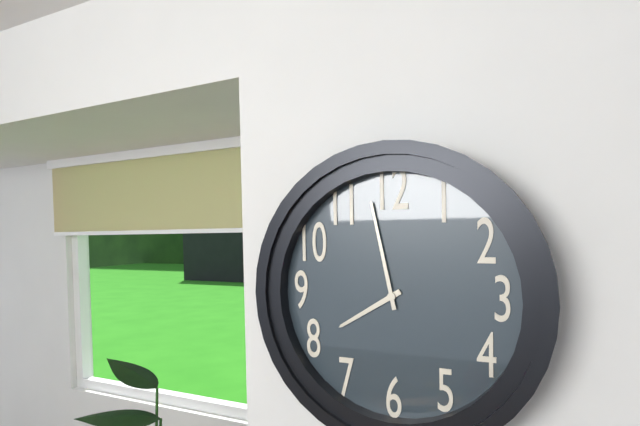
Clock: 7:58
